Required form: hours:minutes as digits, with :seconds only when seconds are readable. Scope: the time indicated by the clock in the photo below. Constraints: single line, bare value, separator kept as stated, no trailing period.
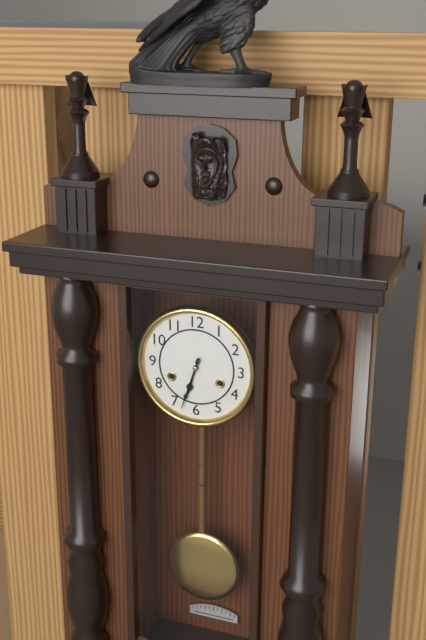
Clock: 6:33
